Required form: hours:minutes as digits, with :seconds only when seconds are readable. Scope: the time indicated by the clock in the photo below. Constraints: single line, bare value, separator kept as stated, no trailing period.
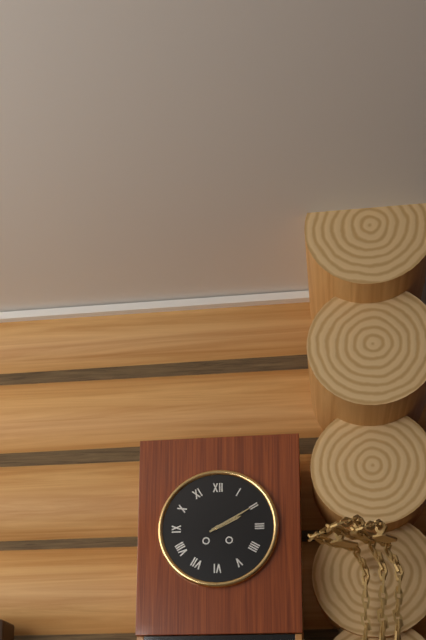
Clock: 2:10
